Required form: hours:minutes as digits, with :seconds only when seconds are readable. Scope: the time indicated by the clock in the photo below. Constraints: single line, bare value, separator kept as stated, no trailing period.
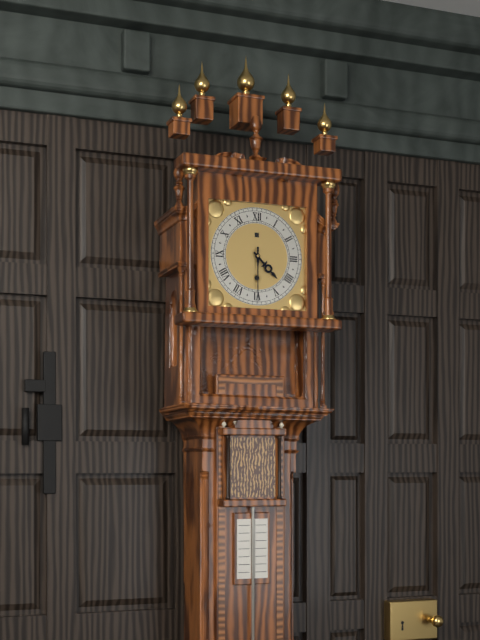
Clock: 4:30
